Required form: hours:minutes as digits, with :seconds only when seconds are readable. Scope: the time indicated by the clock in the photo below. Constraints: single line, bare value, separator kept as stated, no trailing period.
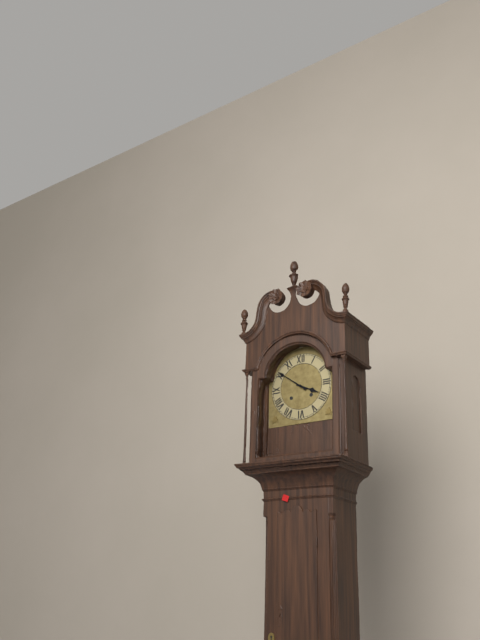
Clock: 3:51
